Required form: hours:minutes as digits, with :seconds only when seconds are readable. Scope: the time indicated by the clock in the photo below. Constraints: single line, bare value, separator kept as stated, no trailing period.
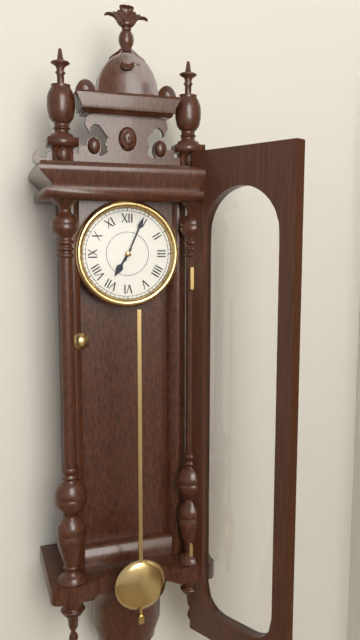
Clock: 7:04
